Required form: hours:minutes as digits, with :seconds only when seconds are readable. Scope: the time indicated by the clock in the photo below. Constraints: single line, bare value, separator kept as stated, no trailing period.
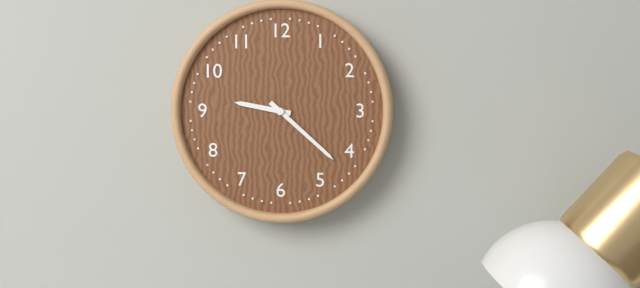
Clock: 9:22
